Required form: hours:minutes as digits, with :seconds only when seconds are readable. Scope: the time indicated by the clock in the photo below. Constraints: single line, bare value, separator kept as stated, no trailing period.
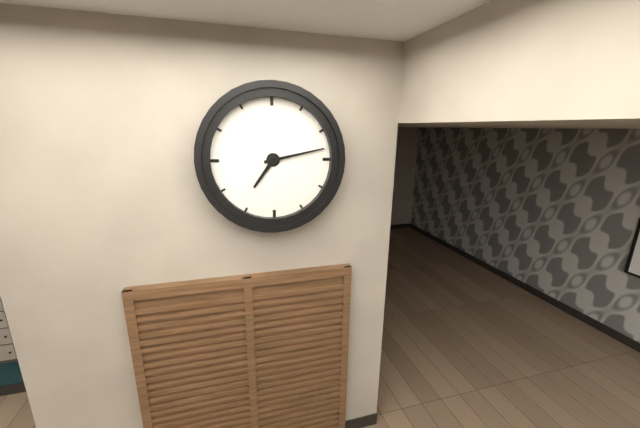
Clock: 7:13
